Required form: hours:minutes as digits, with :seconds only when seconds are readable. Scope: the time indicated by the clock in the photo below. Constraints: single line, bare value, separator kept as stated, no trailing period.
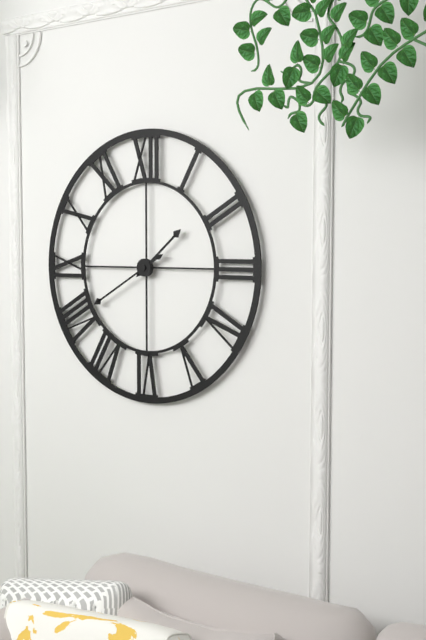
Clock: 1:40
